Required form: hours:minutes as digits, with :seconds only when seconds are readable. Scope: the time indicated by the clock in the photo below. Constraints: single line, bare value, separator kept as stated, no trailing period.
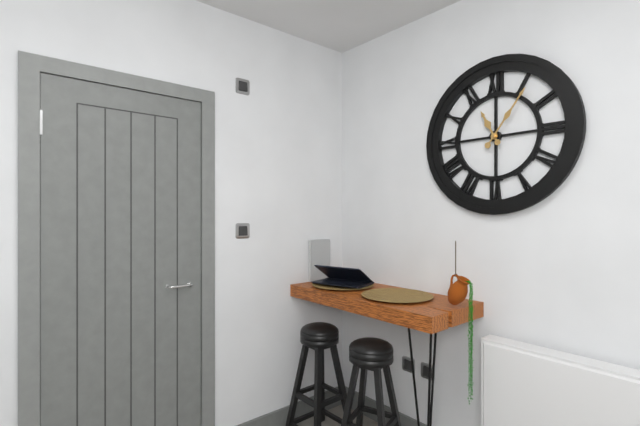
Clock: 11:06
